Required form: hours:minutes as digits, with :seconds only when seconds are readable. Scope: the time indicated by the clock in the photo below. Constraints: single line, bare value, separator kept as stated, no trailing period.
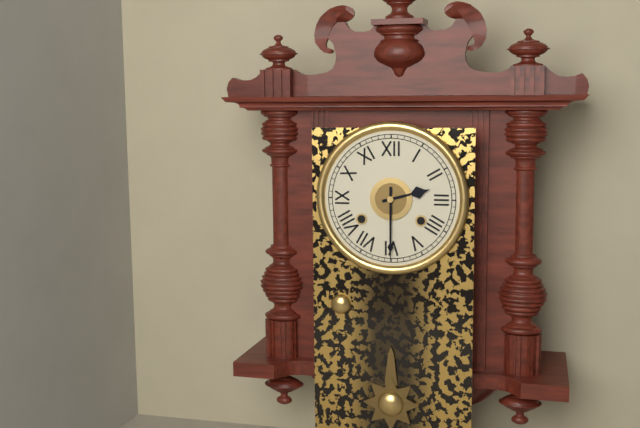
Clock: 2:30
